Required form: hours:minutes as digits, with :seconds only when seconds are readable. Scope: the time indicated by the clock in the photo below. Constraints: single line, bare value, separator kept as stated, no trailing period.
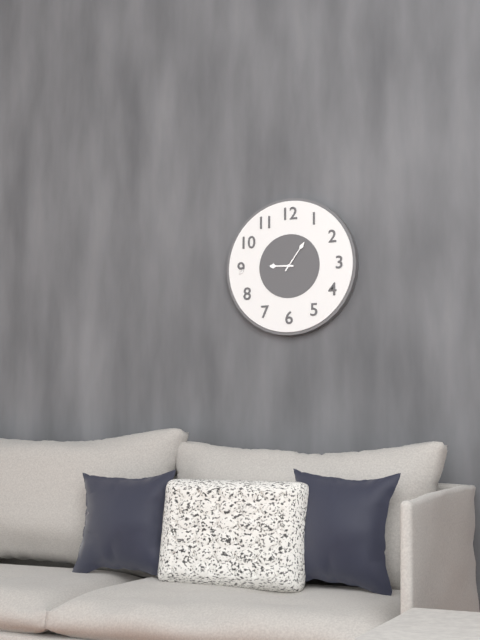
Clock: 9:06
